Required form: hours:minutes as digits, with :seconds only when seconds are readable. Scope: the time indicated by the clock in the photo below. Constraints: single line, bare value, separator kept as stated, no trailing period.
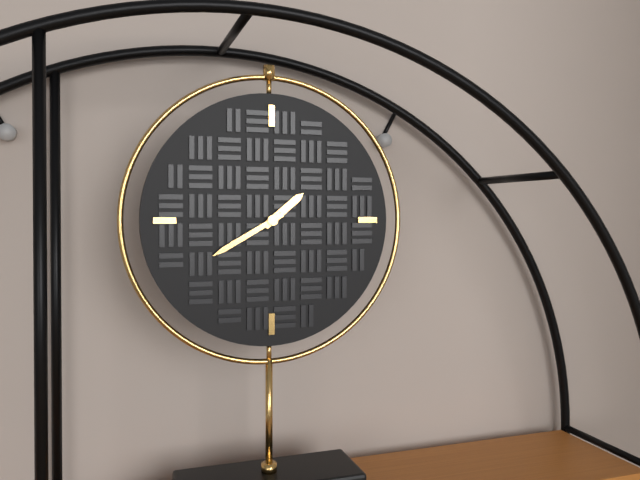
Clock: 1:40
